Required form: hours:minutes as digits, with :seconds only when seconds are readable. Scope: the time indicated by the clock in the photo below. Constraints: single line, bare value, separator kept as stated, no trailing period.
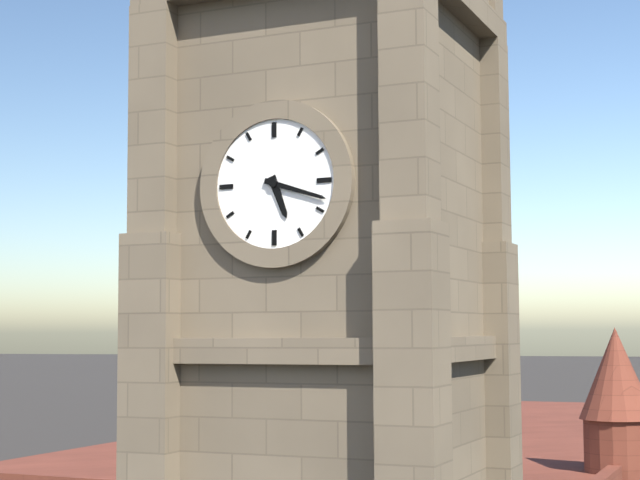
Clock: 5:18
